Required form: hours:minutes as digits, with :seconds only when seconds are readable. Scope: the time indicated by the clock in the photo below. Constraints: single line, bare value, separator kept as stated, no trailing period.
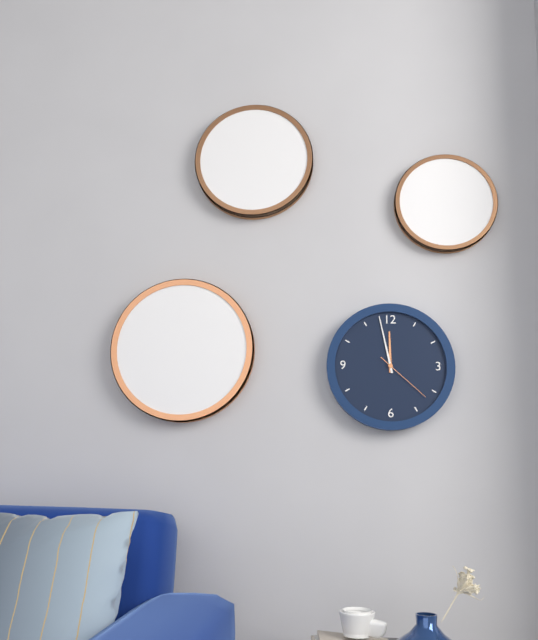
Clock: 11:58:22
